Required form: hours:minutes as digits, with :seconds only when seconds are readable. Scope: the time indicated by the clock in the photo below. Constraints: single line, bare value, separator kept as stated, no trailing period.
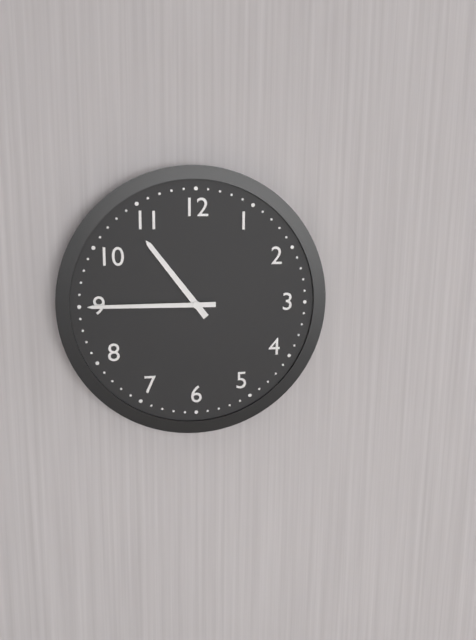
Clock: 10:45
